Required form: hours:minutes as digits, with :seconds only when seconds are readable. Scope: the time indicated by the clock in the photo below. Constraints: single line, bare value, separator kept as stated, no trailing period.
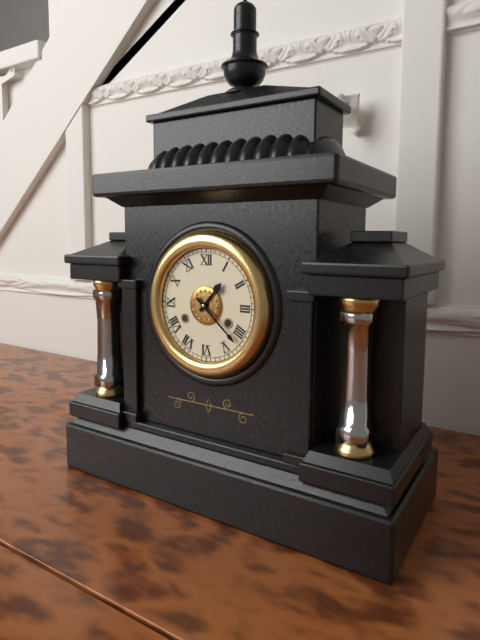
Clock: 1:22
